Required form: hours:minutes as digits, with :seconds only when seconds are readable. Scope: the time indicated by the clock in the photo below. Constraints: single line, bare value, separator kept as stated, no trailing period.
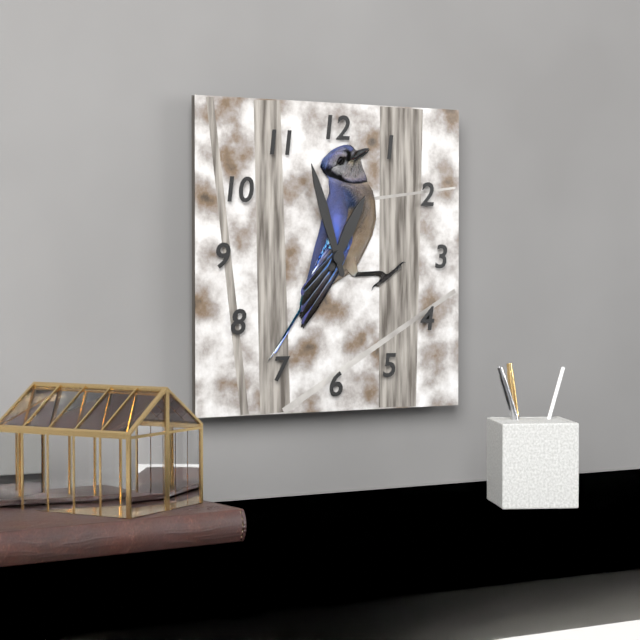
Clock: 12:57
